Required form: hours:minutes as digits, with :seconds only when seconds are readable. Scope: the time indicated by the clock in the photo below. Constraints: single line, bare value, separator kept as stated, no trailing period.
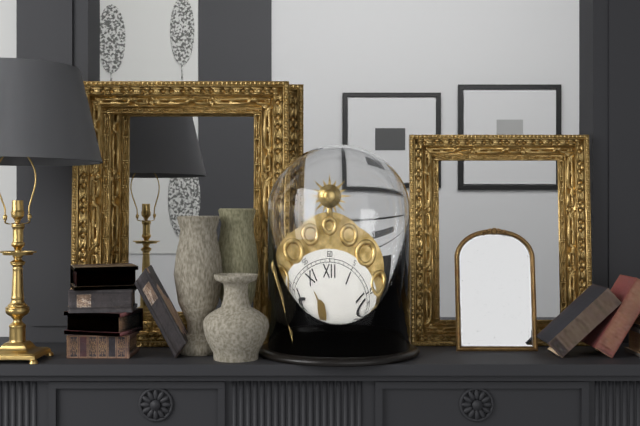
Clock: 10:47
